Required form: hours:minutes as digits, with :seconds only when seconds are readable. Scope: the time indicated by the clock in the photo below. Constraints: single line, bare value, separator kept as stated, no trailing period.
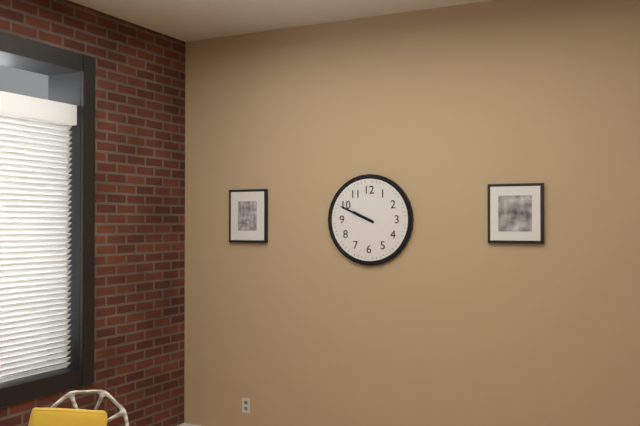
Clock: 9:49
